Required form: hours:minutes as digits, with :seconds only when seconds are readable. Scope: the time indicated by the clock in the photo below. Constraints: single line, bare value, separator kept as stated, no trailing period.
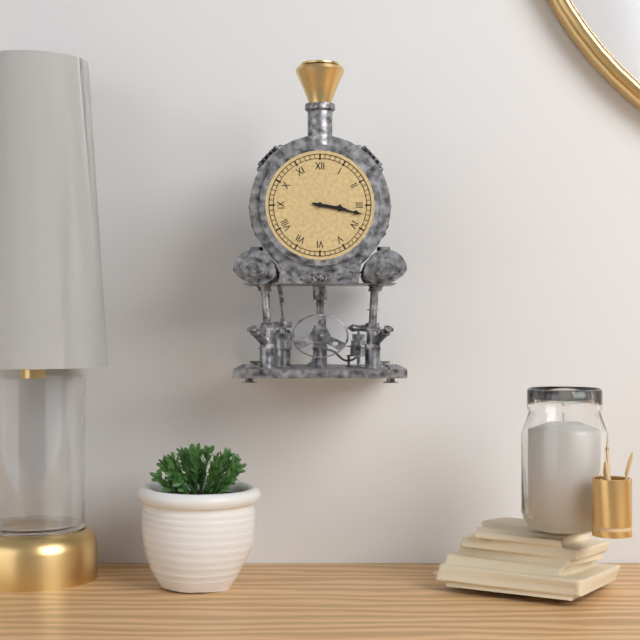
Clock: 3:17
